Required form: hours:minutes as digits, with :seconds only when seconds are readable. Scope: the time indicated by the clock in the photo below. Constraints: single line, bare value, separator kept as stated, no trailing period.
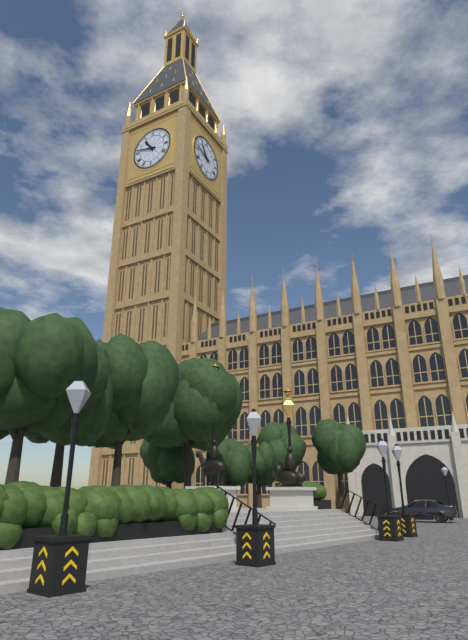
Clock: 10:47
